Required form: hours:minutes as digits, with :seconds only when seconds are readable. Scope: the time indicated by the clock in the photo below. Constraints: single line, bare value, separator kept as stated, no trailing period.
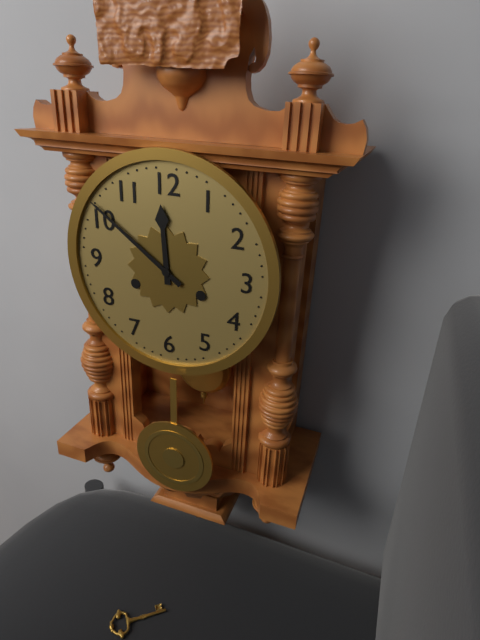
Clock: 11:51
